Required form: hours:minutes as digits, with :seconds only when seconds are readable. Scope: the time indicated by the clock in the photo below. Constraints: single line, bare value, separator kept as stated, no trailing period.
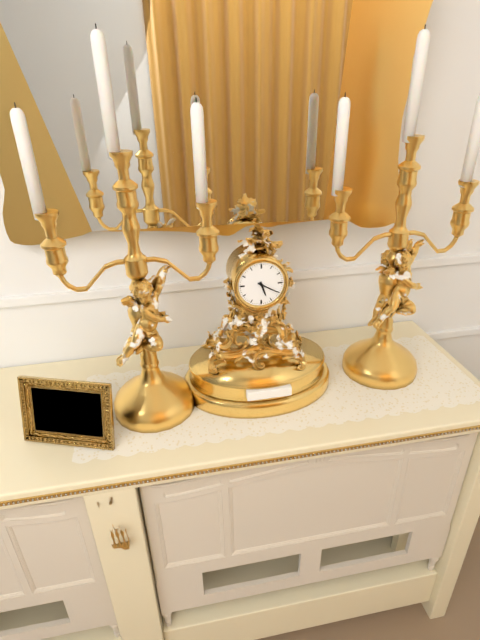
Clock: 5:20
